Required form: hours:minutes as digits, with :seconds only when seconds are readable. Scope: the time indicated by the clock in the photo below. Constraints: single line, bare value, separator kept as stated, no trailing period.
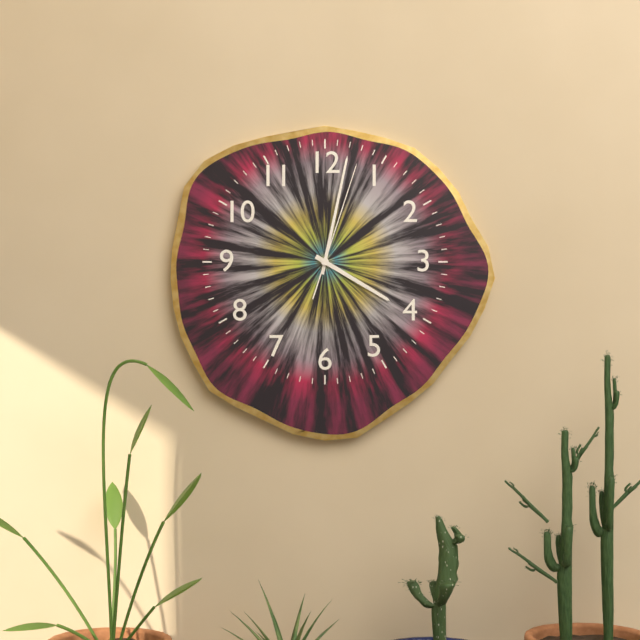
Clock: 4:02:03
